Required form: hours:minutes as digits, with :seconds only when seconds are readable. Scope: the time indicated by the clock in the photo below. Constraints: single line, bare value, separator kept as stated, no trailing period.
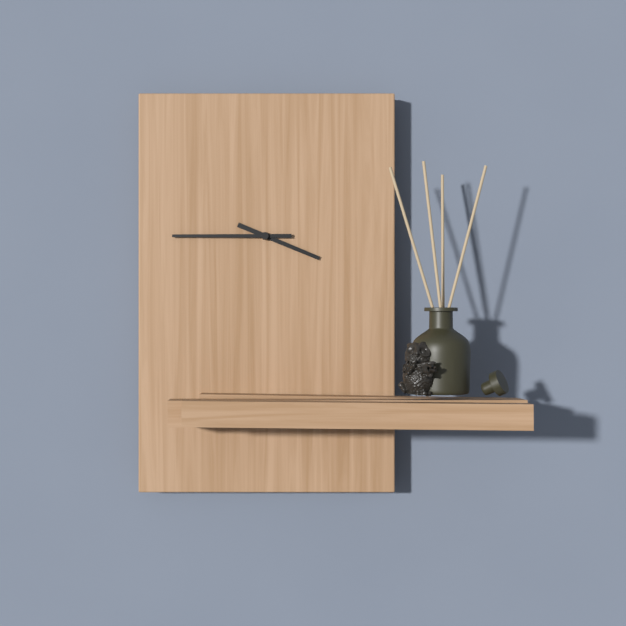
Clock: 3:45
